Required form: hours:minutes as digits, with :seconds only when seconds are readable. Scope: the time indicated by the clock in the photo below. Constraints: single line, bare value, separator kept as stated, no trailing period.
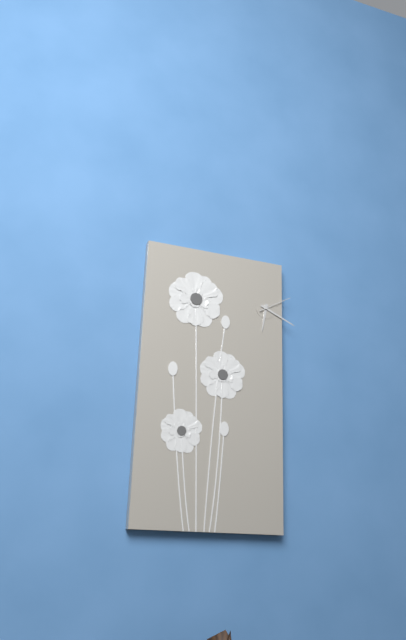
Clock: 6:19
